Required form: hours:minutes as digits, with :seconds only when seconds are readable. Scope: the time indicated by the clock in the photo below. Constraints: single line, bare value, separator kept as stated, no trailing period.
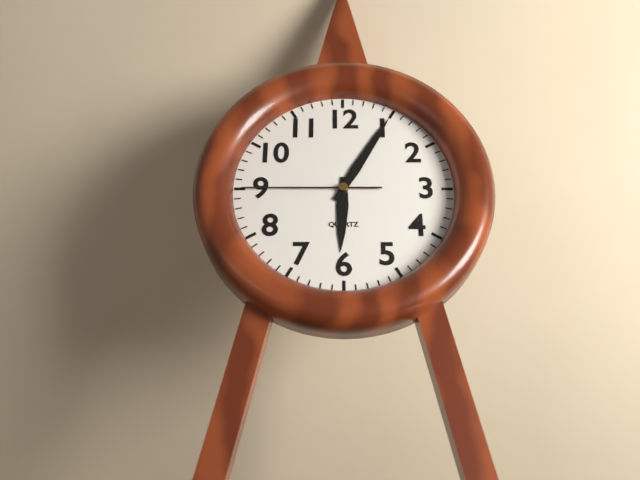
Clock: 6:05:45
